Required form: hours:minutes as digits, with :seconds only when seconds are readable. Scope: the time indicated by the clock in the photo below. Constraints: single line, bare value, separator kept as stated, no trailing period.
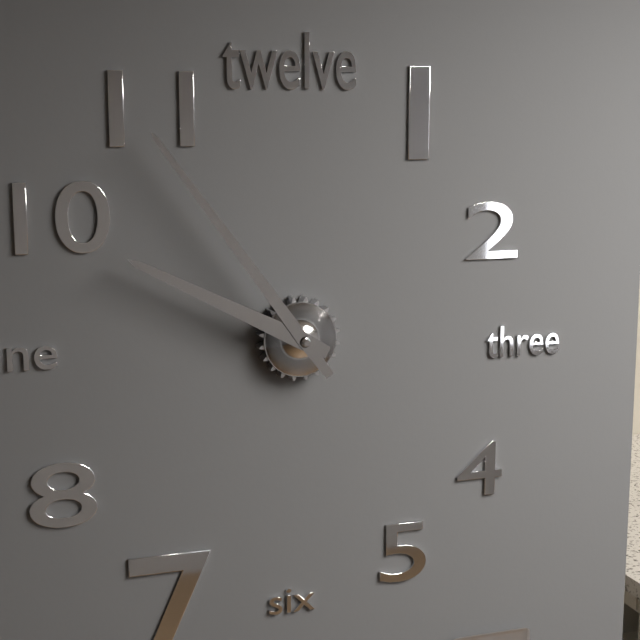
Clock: 9:54
